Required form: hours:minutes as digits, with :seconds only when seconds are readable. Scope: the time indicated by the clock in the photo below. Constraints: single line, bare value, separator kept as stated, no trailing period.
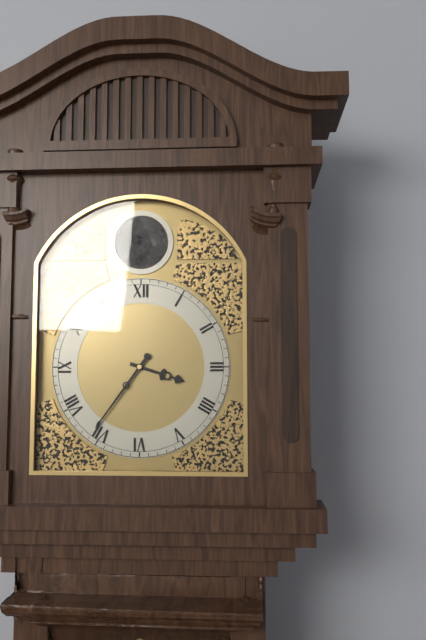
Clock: 3:36
